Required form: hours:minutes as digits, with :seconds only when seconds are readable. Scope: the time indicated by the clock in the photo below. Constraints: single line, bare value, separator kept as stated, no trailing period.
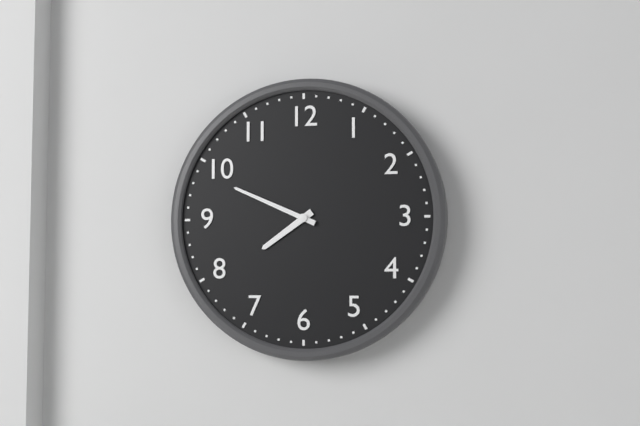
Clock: 7:49
